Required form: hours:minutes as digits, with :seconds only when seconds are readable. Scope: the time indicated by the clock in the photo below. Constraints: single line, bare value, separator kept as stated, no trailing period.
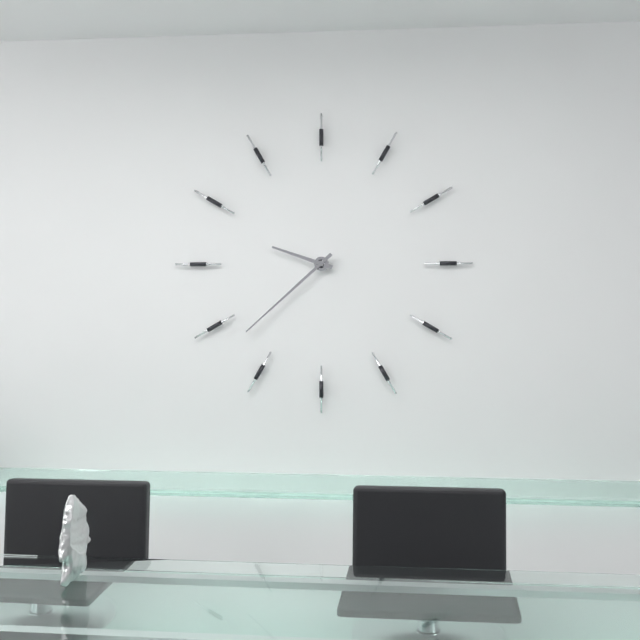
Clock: 9:38
